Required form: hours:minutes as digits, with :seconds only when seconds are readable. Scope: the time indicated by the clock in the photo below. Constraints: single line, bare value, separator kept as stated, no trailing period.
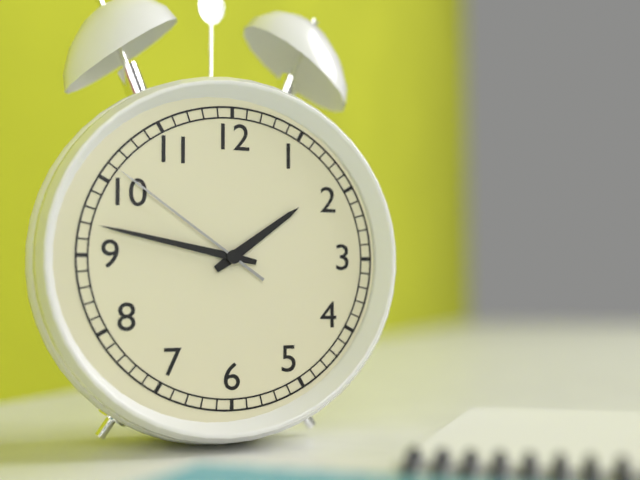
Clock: 1:47:51
